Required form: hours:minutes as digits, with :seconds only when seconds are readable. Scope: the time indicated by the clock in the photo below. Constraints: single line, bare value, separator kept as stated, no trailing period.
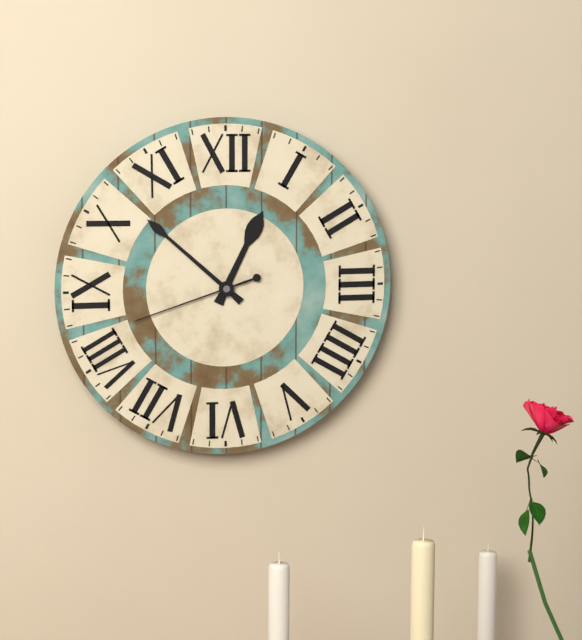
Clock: 12:52:42
